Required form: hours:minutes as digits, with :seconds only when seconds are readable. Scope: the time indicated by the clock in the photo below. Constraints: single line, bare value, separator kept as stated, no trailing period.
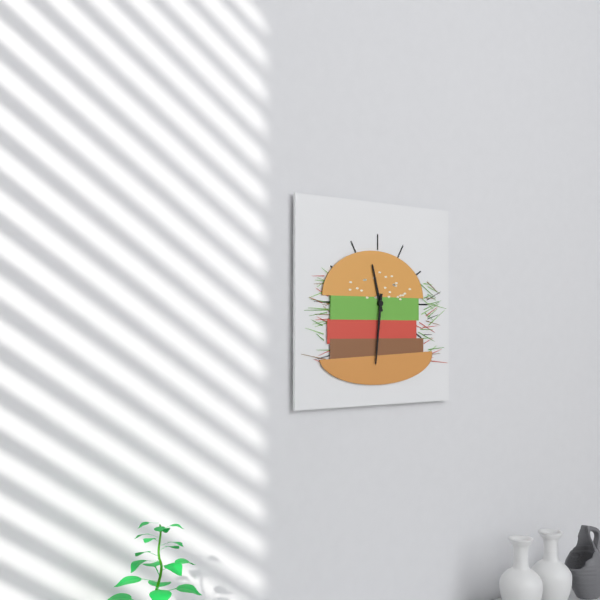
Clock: 11:31
